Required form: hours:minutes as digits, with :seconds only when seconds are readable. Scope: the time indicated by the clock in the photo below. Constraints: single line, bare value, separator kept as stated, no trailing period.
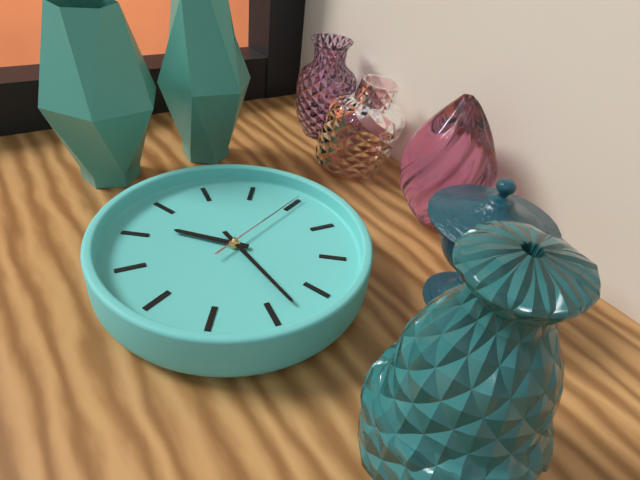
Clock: 8:18:00
